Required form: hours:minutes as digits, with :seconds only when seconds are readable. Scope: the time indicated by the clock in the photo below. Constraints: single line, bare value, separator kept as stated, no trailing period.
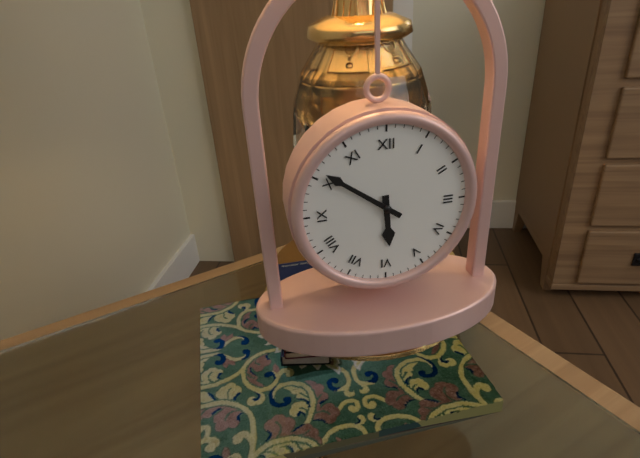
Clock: 5:51
